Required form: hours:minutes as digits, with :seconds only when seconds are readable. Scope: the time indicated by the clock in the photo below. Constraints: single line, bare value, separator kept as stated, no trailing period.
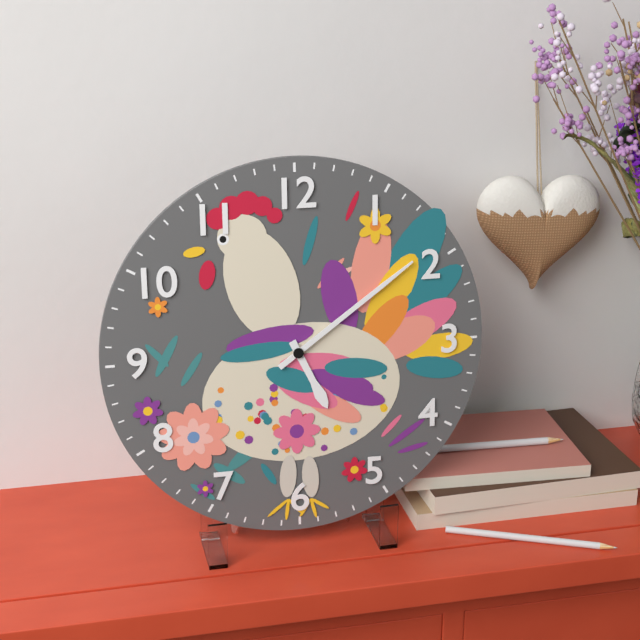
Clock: 5:09
